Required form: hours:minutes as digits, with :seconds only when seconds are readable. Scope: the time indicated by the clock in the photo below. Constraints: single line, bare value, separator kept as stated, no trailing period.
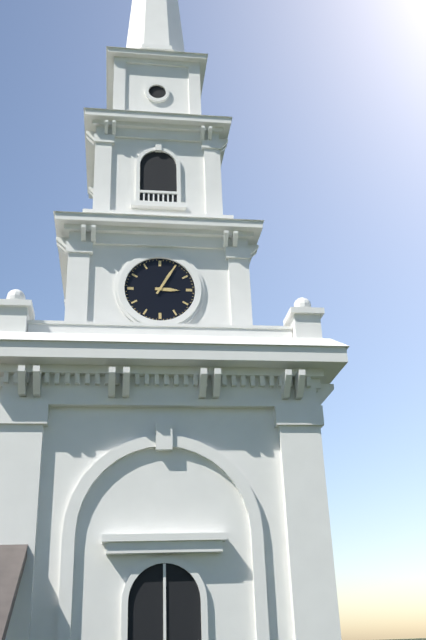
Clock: 3:05
